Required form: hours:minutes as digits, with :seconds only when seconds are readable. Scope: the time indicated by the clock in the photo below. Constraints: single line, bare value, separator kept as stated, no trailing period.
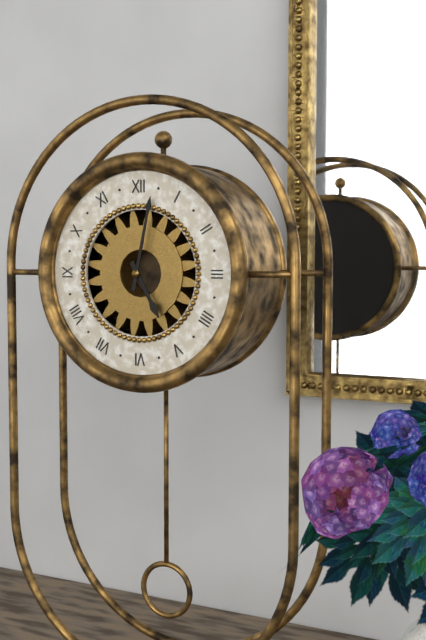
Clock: 5:02
